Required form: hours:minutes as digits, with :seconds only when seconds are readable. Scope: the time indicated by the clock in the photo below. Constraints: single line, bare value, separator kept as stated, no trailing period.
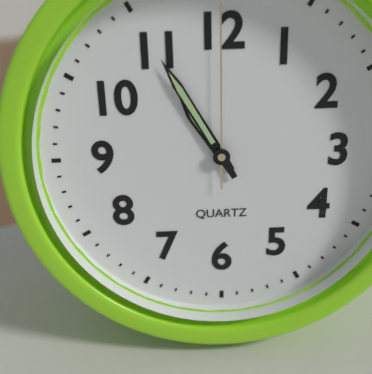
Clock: 10:55:00
